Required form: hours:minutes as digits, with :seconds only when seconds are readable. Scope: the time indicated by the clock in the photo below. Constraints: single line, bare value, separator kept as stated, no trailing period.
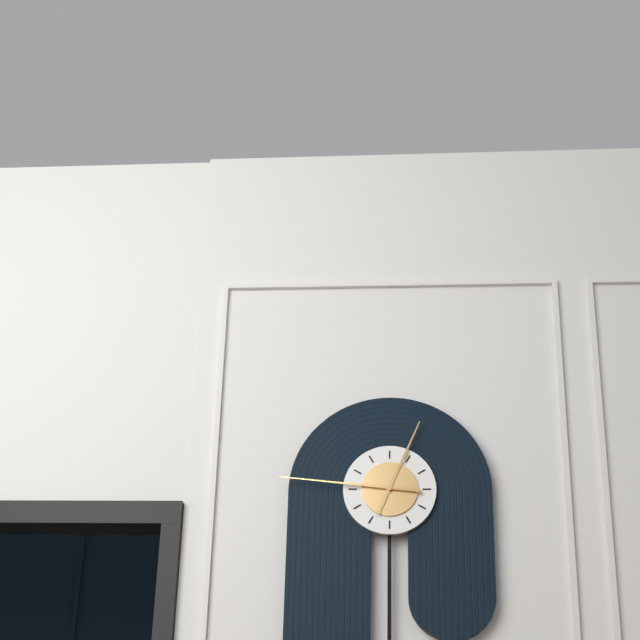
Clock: 12:46
